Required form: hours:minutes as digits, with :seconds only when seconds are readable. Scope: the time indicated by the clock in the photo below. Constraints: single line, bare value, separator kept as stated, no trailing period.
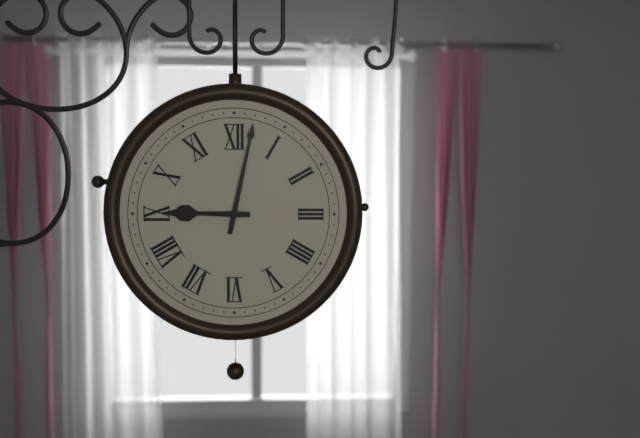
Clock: 9:02
